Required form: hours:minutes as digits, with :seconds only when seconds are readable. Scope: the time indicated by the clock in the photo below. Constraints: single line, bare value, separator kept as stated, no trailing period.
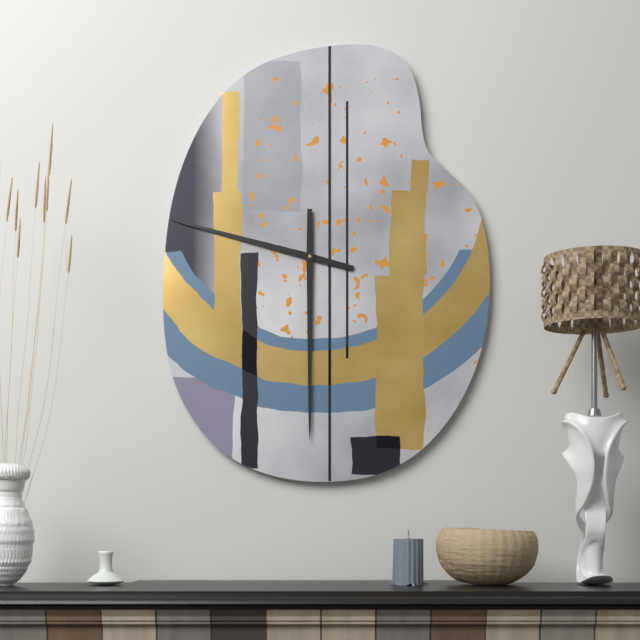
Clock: 9:30
